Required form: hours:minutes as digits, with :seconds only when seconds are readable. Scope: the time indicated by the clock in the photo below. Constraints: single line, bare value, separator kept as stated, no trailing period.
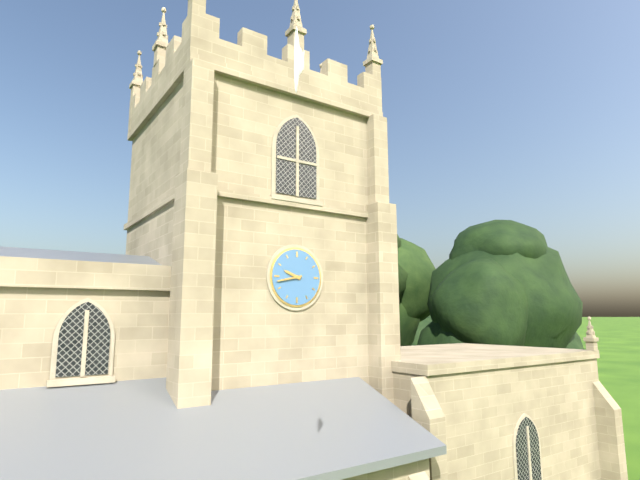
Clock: 9:43
